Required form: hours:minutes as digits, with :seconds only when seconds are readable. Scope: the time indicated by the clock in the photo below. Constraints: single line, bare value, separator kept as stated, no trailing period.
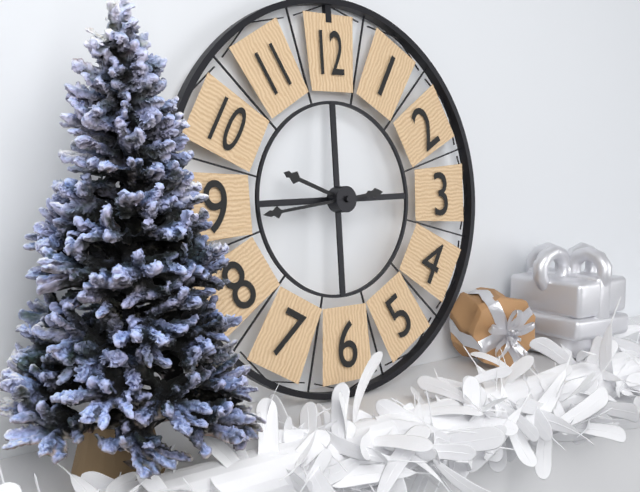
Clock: 9:44
